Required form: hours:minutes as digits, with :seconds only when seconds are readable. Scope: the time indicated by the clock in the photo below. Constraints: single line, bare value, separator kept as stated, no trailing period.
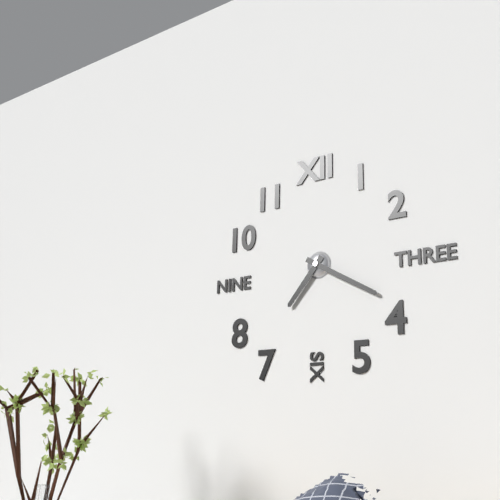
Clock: 7:20
